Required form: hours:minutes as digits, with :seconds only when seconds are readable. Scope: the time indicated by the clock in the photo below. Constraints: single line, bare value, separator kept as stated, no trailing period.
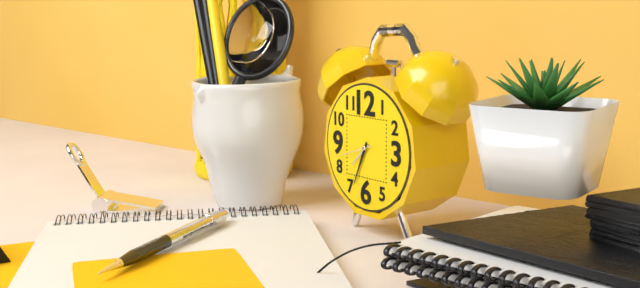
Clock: 7:34
